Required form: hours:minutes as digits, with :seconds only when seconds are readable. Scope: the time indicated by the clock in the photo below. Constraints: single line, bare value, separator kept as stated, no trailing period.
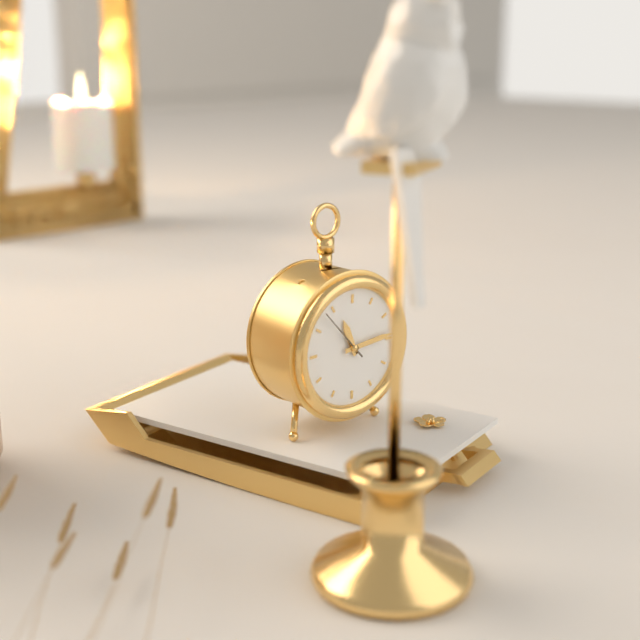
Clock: 11:14
